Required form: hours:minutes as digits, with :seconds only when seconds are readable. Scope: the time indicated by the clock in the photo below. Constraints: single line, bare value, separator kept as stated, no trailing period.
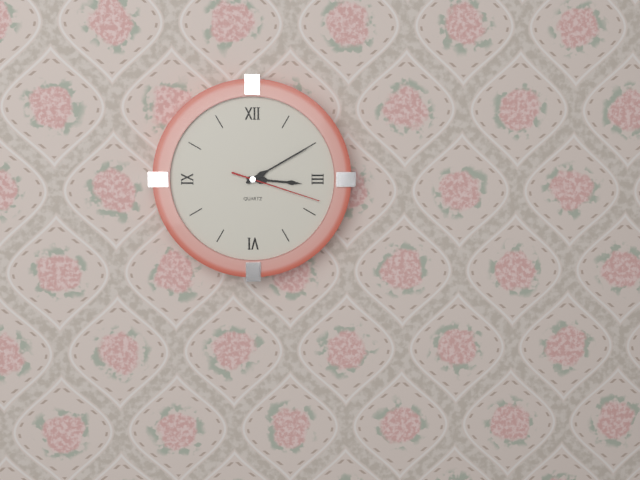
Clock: 3:10:18
